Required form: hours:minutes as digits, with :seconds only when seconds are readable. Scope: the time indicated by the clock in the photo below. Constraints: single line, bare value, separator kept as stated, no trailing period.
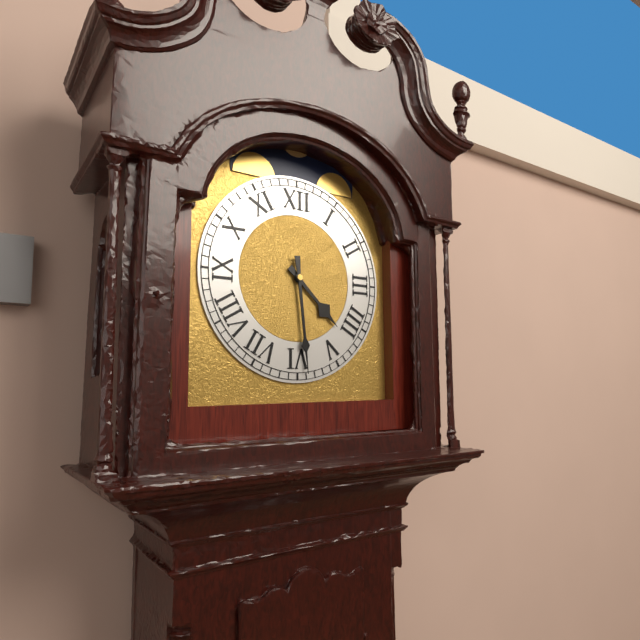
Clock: 4:29
